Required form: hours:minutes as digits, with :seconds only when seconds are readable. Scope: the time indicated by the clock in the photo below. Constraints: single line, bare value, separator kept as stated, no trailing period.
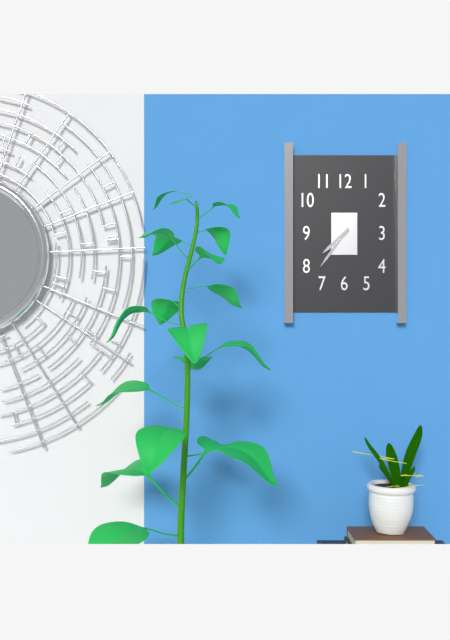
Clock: 7:36
